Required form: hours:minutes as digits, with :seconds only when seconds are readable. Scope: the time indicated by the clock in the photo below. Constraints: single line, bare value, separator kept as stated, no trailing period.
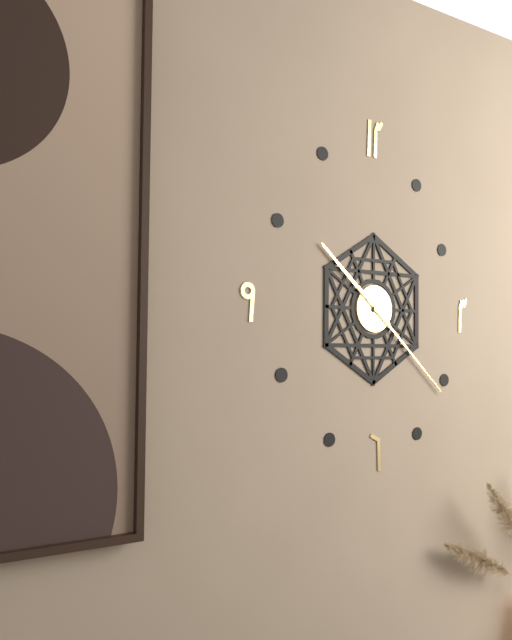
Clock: 10:22
